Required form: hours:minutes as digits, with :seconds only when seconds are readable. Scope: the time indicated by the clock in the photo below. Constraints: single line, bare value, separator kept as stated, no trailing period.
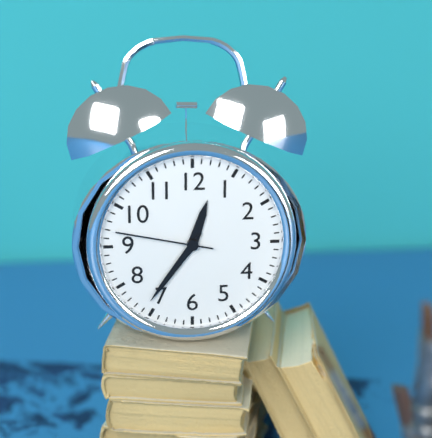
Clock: 12:36:47
